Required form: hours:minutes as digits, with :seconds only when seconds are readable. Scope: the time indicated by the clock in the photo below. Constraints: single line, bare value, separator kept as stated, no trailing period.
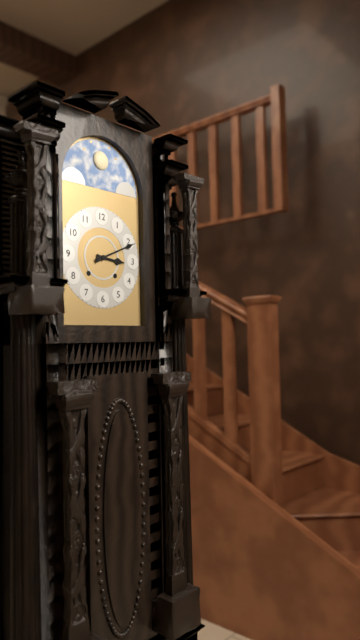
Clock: 3:11
